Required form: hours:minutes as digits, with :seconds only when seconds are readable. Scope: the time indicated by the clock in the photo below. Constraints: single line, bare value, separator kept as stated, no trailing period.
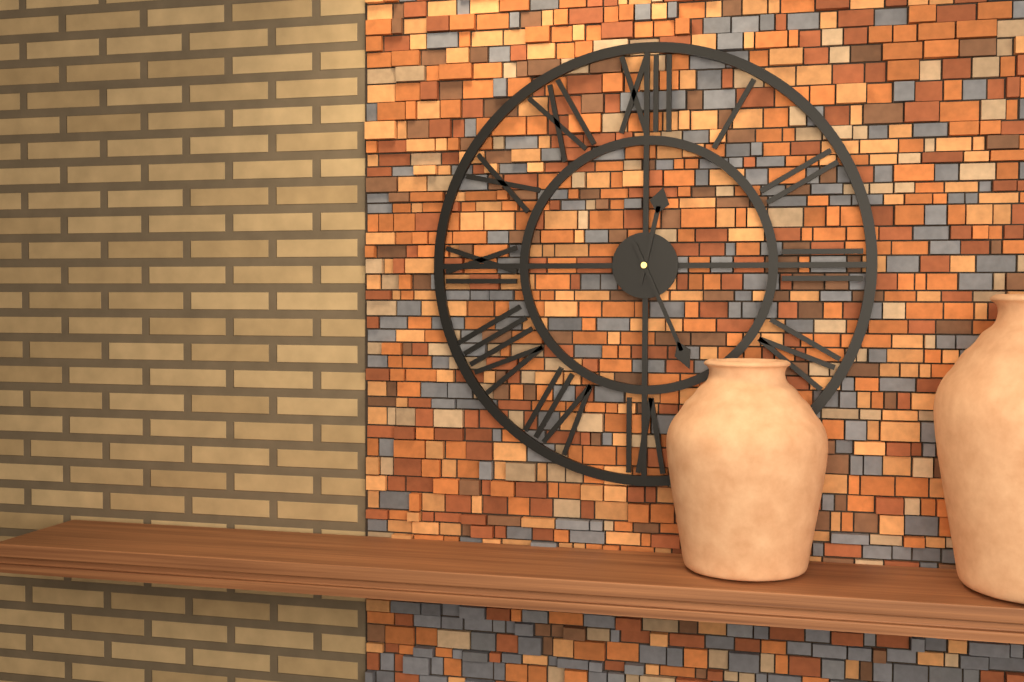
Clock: 12:26
